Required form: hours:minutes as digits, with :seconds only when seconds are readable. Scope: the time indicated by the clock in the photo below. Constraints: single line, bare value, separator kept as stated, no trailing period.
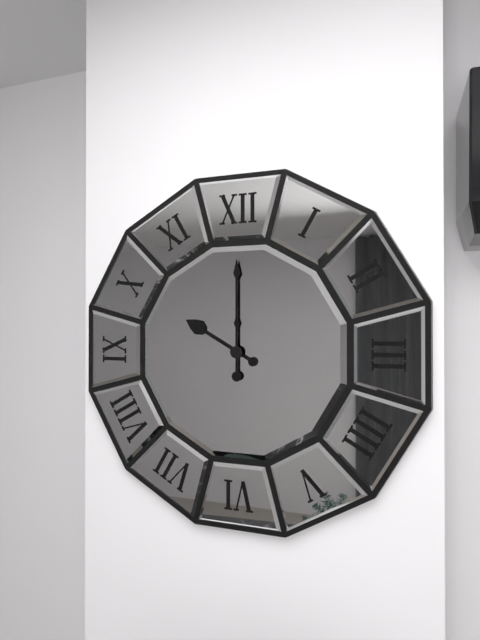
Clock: 10:00
